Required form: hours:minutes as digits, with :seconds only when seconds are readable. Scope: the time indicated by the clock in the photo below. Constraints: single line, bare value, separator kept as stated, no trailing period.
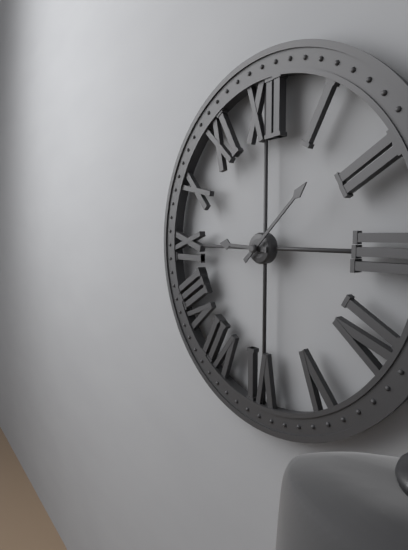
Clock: 9:08
